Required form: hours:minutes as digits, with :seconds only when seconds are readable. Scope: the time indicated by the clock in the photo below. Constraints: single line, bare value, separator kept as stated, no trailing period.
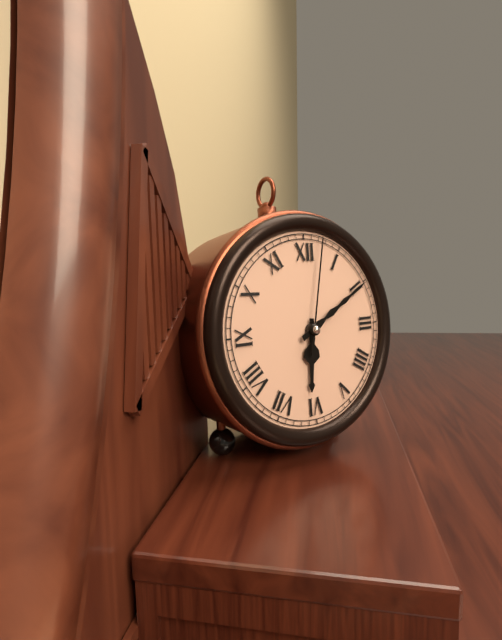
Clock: 6:10:02
